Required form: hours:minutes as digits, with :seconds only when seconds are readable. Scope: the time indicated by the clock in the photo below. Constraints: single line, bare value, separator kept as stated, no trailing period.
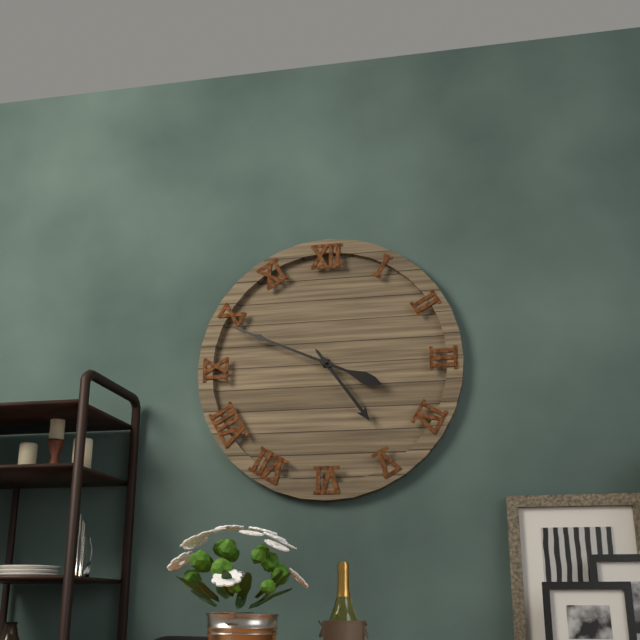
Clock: 4:49
